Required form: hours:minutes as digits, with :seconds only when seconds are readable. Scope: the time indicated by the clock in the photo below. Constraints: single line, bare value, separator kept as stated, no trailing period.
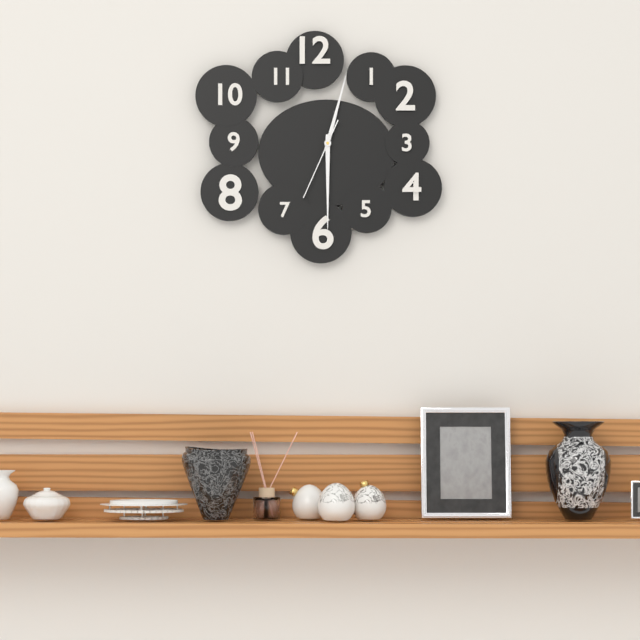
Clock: 12:30:34
